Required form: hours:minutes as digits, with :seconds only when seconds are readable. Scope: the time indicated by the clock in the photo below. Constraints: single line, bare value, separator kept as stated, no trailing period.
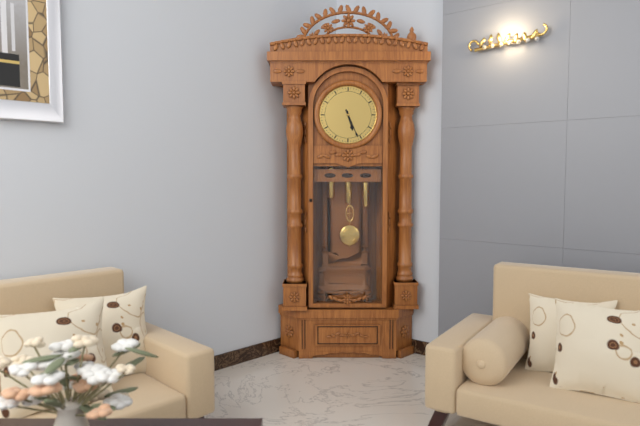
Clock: 5:26
